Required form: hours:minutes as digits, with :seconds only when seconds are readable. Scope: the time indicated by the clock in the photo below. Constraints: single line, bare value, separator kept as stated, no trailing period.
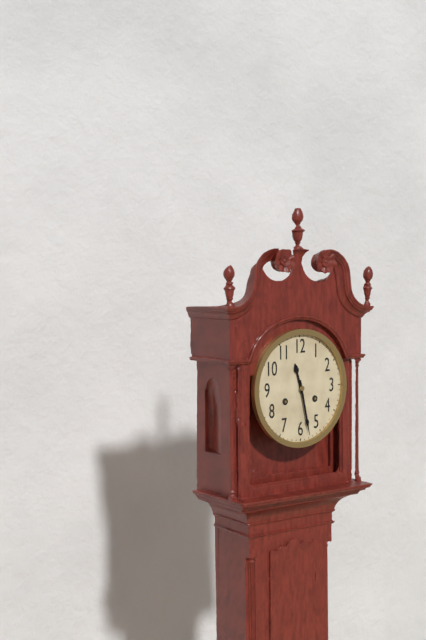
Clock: 11:28
